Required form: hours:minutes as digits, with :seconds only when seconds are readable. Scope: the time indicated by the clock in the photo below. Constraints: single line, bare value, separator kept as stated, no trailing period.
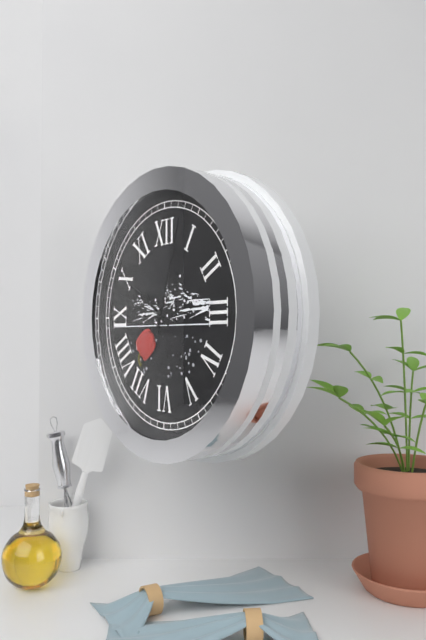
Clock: 10:03:48
